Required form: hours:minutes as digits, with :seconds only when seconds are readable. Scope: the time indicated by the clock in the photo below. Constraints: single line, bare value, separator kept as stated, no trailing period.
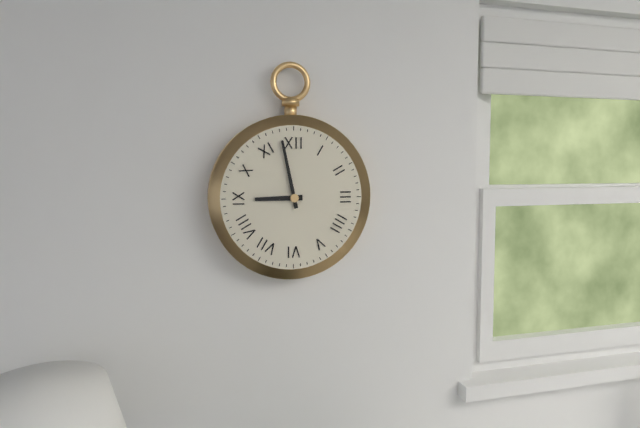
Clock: 8:58
